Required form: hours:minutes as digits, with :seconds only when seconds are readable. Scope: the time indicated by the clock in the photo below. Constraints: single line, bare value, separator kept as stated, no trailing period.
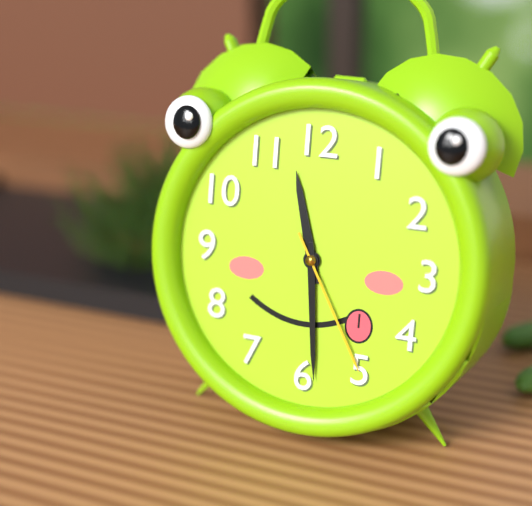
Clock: 11:29:25
